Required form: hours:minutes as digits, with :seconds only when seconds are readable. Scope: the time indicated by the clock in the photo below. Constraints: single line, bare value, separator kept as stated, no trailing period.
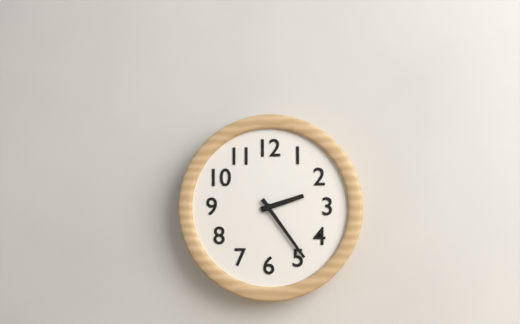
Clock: 2:24
